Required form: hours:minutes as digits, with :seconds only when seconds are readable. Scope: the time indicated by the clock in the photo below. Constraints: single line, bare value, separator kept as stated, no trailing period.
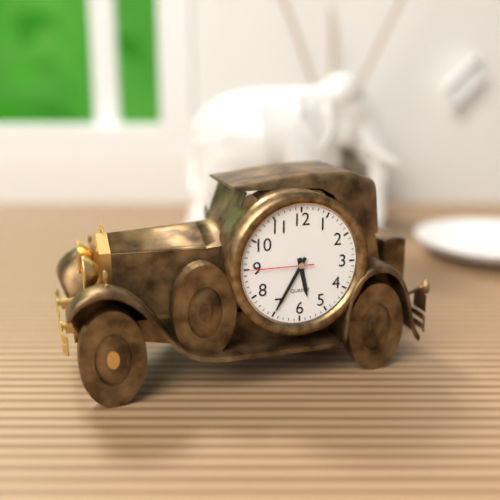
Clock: 5:35:45
